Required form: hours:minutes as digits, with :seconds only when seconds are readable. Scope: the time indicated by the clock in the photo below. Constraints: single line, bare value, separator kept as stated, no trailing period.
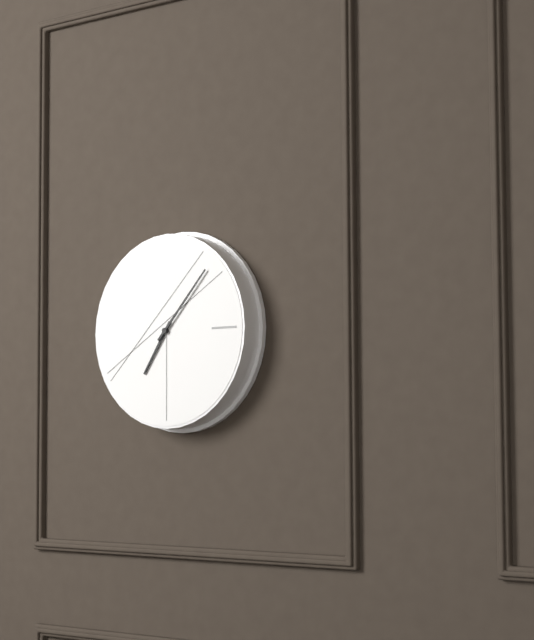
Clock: 7:07
